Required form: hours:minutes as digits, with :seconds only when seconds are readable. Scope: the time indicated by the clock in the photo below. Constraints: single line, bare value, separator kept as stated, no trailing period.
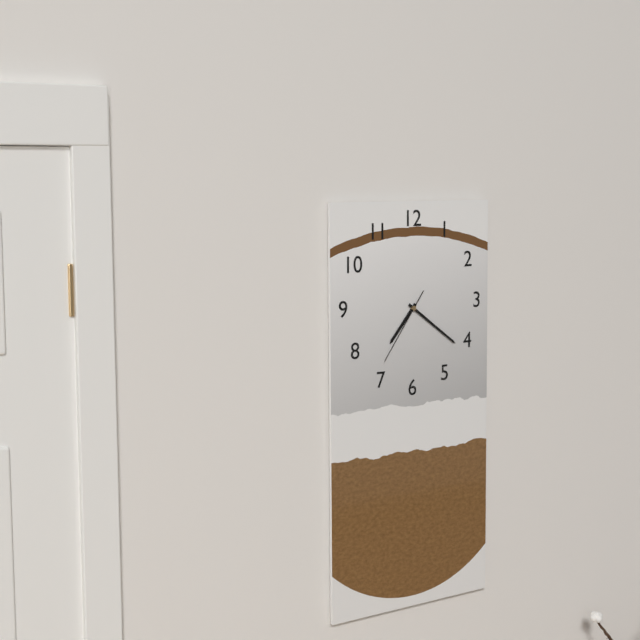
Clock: 7:21:36
